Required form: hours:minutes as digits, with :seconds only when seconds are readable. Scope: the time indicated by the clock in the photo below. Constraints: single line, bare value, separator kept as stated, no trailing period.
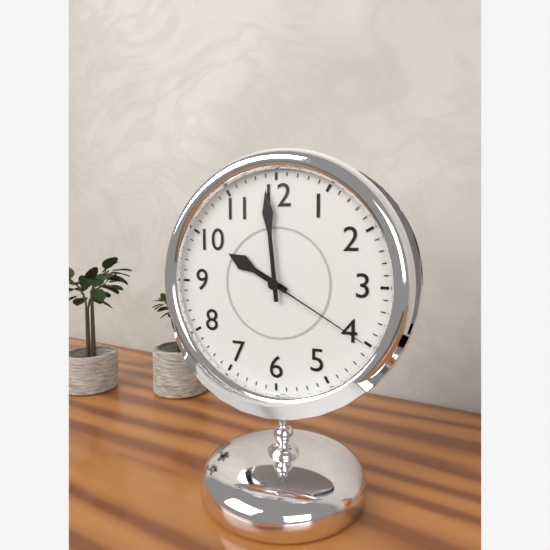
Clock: 9:59:20
